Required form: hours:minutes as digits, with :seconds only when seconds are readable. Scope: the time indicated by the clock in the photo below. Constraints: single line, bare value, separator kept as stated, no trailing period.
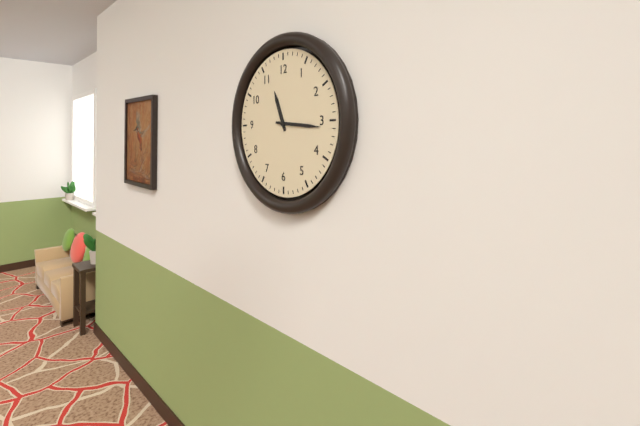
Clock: 11:16
